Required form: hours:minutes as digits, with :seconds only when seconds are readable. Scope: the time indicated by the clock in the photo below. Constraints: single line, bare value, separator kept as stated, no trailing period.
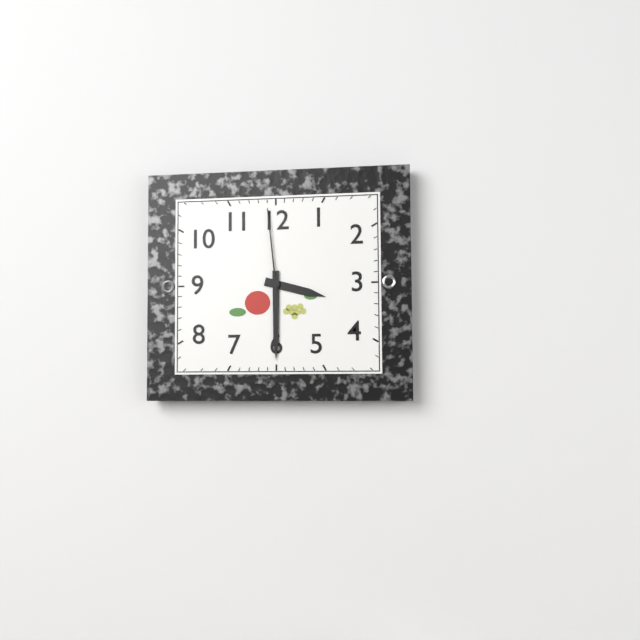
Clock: 3:30:59
